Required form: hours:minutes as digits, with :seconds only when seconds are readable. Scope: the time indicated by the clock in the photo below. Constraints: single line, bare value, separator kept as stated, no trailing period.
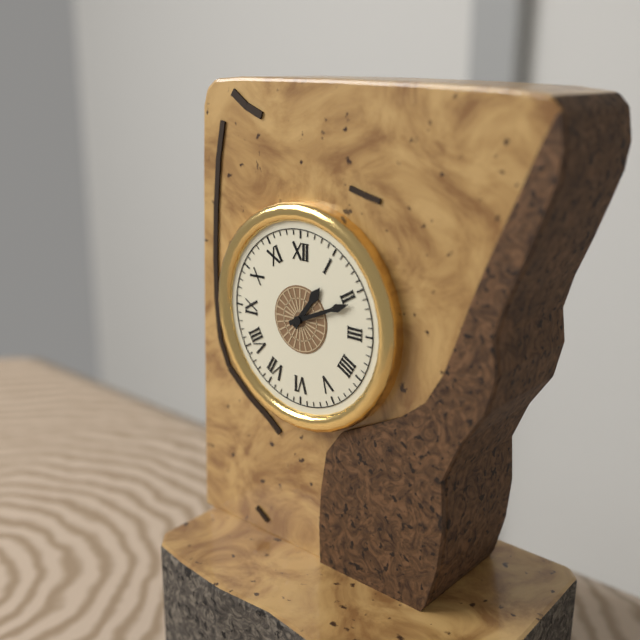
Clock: 1:11
